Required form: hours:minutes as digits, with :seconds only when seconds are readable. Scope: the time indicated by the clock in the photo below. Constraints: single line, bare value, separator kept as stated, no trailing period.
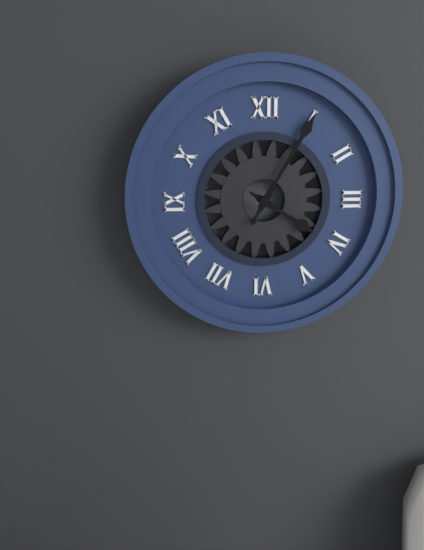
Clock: 4:05
